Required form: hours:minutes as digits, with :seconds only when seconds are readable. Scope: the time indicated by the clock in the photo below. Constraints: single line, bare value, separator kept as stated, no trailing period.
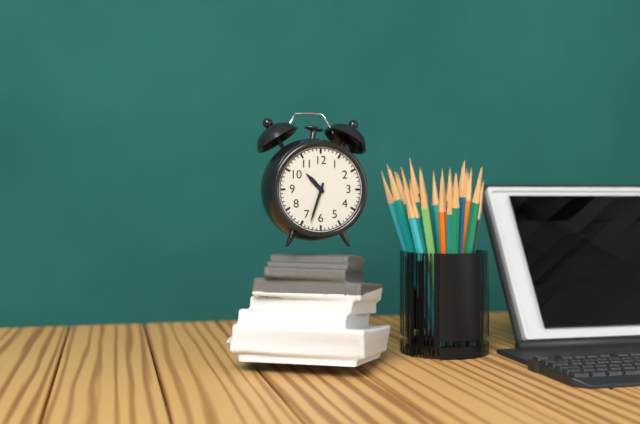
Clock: 10:33
